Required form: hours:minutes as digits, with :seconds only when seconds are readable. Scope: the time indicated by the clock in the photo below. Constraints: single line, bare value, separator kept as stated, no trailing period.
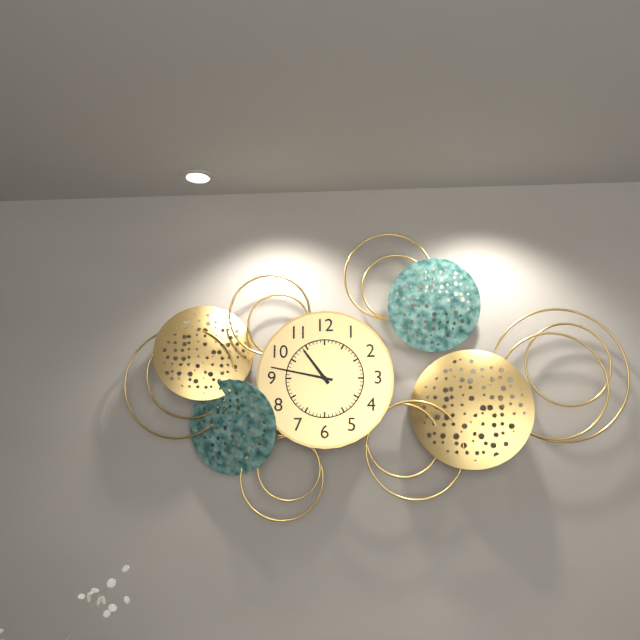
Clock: 10:47
